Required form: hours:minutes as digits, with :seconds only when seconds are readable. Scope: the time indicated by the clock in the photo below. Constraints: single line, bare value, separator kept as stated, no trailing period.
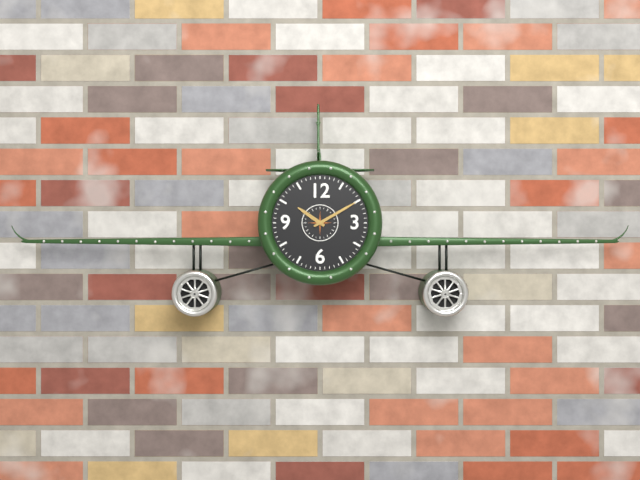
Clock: 10:10
